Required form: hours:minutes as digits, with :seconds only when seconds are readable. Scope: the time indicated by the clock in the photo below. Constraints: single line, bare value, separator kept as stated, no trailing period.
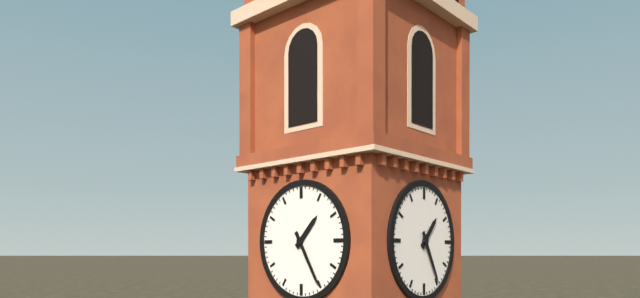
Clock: 1:25
